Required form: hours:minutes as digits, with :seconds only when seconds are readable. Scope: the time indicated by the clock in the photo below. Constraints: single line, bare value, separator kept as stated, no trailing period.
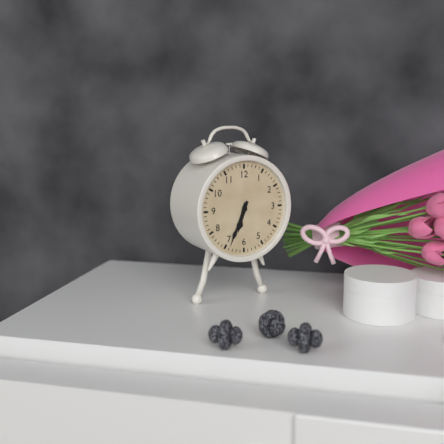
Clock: 6:34
